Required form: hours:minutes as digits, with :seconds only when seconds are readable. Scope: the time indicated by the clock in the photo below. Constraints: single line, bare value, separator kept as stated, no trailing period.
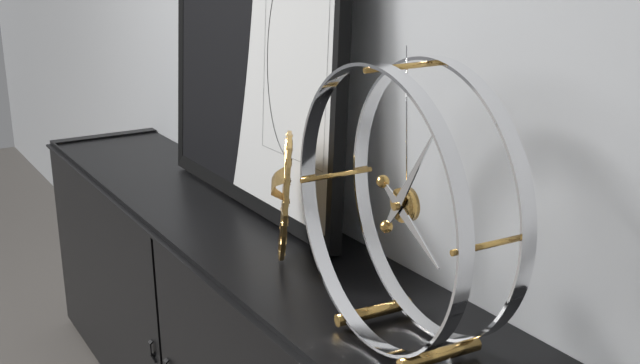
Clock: 4:06
